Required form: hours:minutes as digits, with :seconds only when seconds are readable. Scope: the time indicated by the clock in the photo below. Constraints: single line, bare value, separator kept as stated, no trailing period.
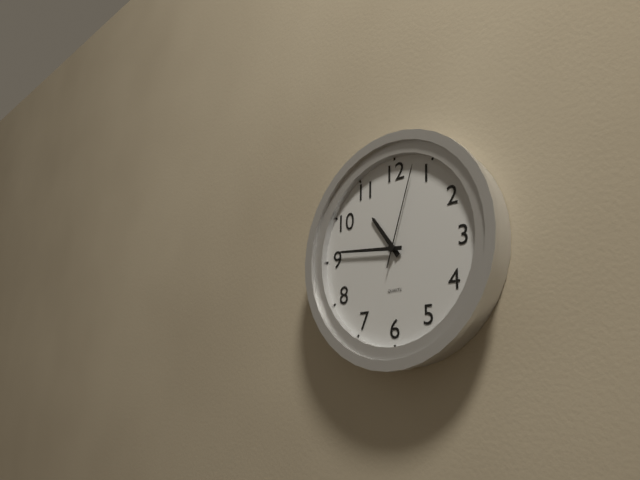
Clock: 10:46:03
